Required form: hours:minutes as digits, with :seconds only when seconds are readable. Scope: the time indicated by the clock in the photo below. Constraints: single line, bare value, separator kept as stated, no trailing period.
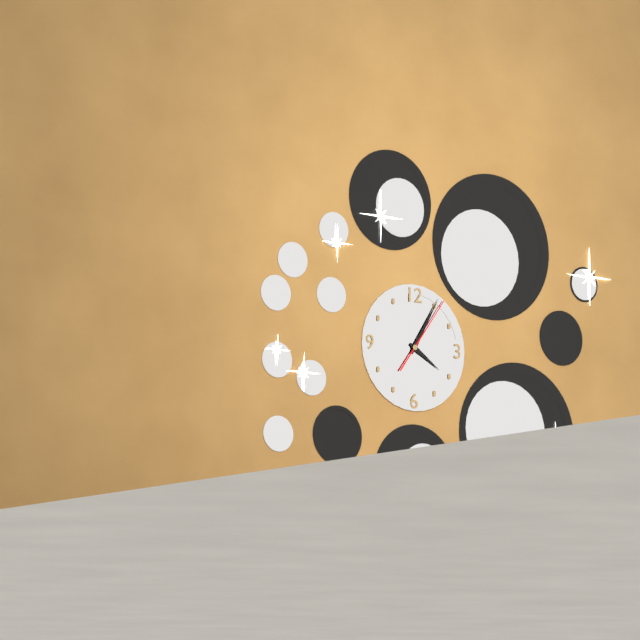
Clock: 4:05:06
